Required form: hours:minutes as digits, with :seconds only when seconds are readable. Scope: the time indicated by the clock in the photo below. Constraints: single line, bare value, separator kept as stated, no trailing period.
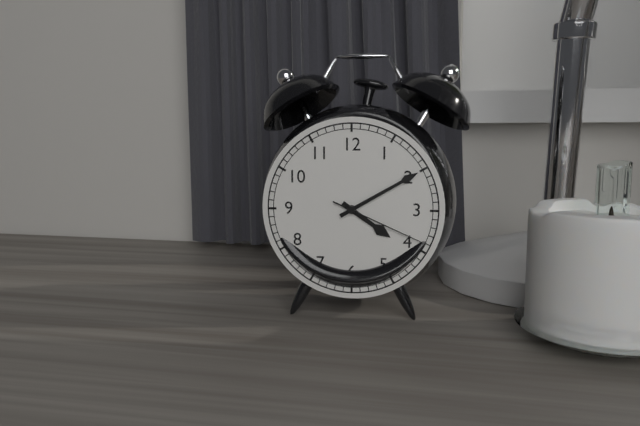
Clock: 4:10:19
